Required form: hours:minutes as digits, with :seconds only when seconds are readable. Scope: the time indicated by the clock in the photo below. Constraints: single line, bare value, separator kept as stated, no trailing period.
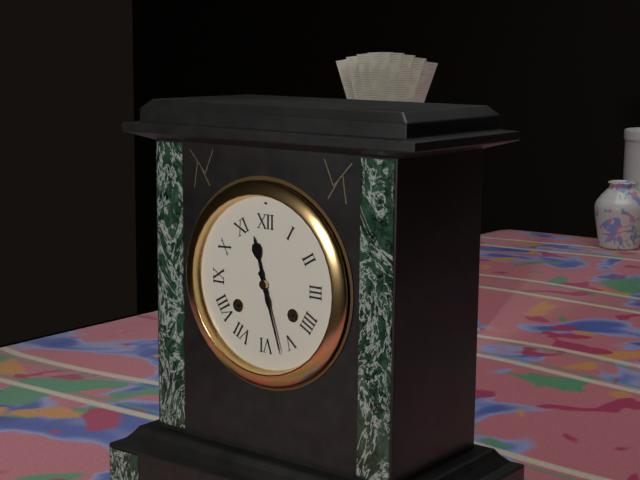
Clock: 11:27
